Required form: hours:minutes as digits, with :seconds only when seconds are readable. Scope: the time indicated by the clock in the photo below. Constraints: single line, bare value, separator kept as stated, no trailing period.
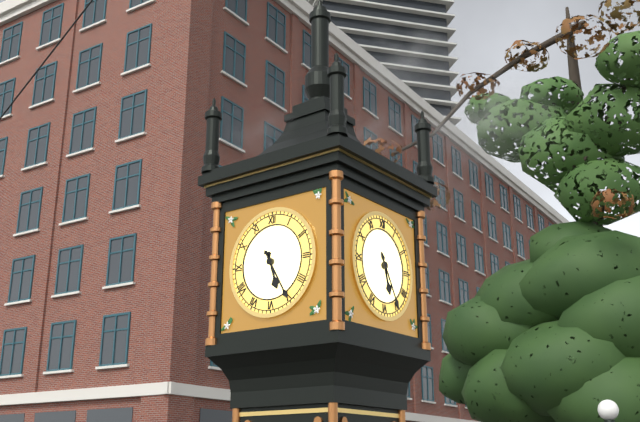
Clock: 5:25
